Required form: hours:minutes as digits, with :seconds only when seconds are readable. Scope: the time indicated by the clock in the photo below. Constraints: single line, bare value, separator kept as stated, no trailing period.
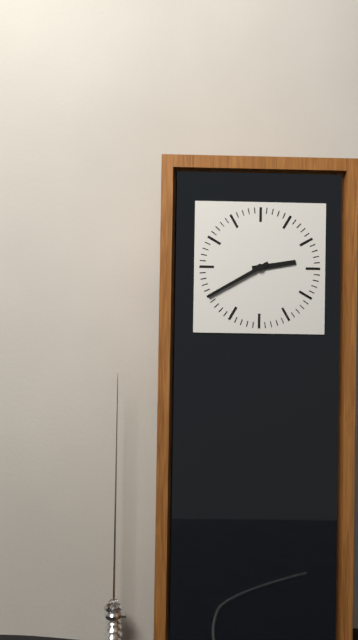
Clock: 2:40
